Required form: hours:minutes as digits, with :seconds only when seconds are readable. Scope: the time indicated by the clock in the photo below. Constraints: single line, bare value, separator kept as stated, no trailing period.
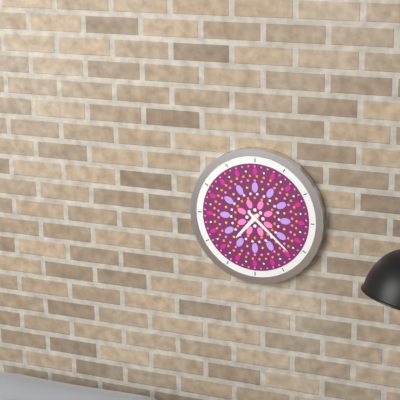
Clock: 7:22
